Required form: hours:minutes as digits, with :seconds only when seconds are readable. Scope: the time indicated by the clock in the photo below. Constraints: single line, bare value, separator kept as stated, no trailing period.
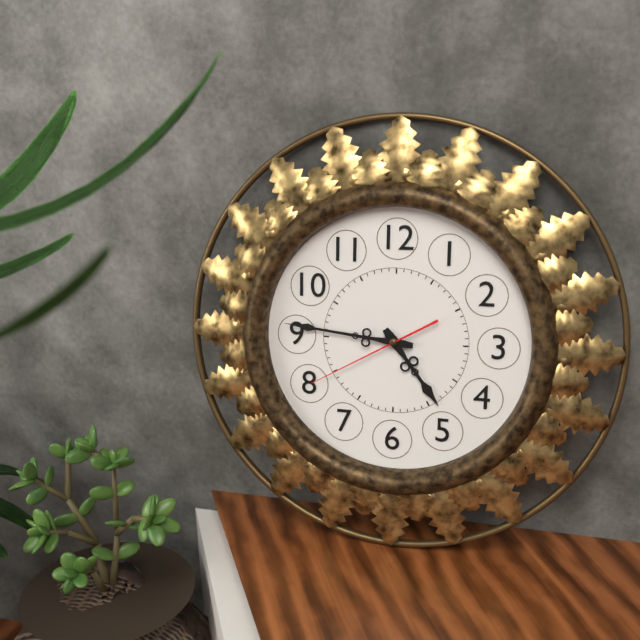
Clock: 4:46:40
